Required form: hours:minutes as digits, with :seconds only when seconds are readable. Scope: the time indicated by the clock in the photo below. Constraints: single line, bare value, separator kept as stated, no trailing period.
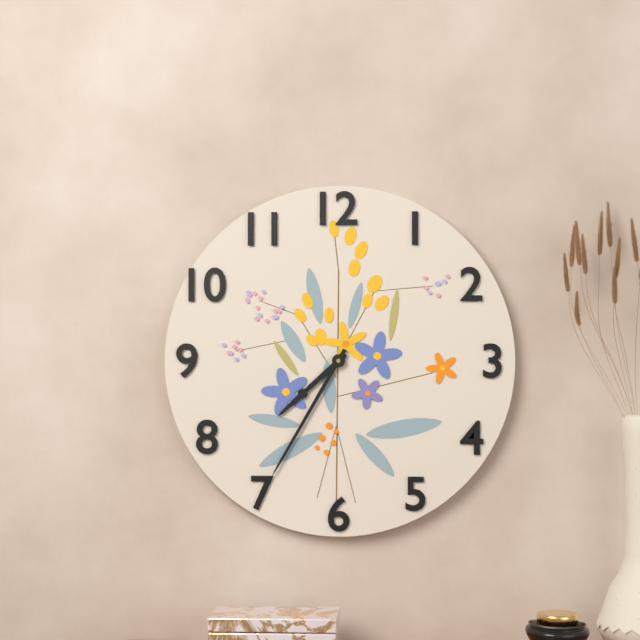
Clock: 7:35
